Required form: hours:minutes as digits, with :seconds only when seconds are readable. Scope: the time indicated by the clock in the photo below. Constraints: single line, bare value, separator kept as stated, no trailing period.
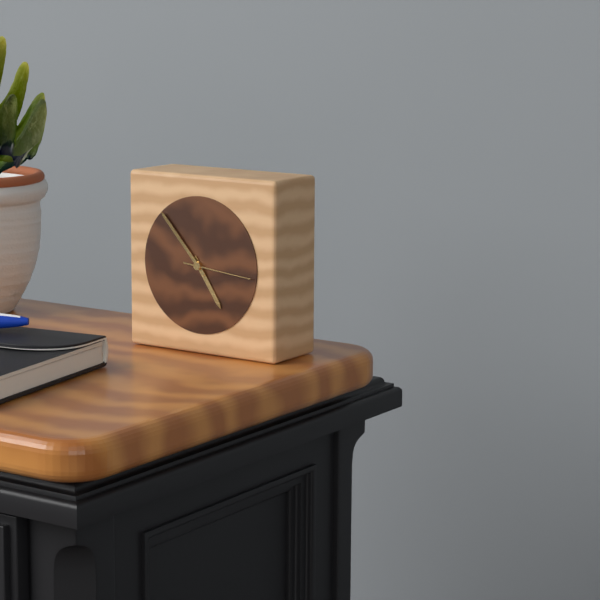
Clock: 4:53
